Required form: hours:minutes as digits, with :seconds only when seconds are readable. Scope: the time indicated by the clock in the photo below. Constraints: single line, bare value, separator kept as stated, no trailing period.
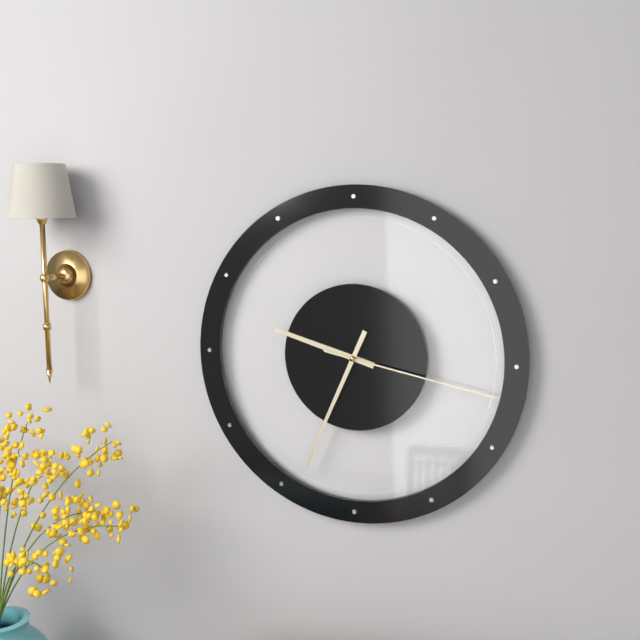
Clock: 9:34:17
